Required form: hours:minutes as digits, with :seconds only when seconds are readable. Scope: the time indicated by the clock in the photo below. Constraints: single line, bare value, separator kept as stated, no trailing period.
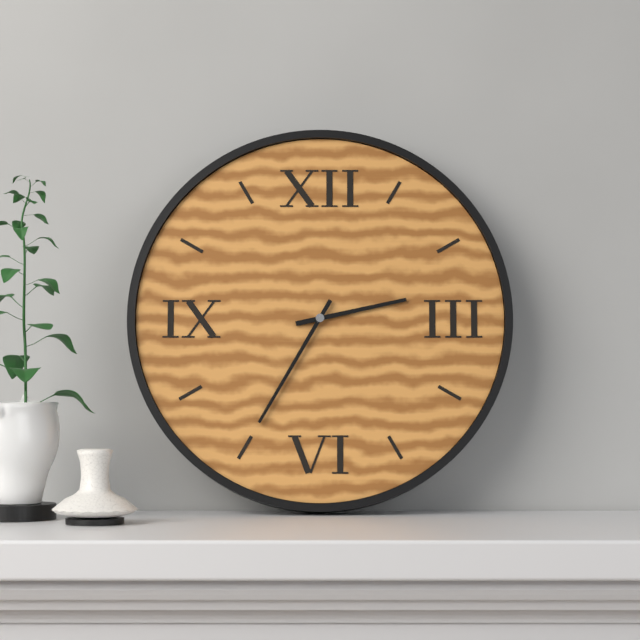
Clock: 2:35
